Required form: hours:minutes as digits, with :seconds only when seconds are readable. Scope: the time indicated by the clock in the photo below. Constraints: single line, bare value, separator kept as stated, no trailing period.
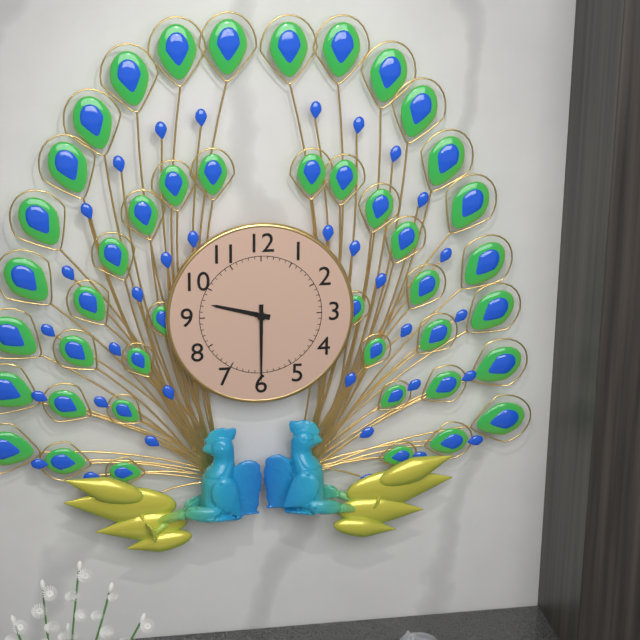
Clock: 9:30
